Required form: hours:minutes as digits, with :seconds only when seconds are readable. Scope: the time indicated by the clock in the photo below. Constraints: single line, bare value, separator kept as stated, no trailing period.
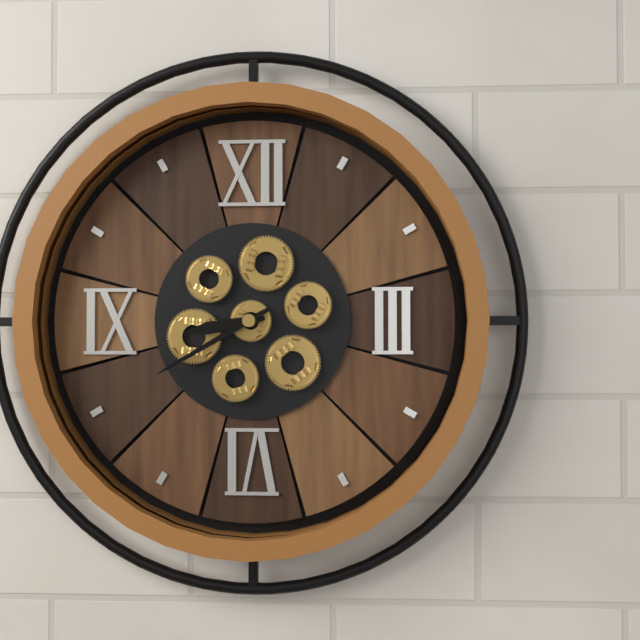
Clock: 8:40
